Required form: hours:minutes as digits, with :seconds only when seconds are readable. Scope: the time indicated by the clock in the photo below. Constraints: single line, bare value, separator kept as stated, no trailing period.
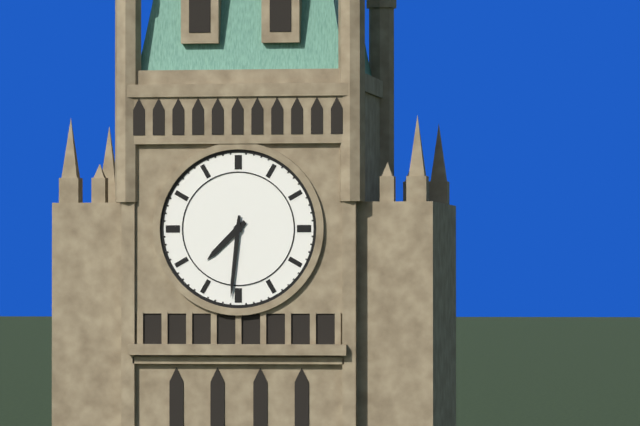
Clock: 7:31
